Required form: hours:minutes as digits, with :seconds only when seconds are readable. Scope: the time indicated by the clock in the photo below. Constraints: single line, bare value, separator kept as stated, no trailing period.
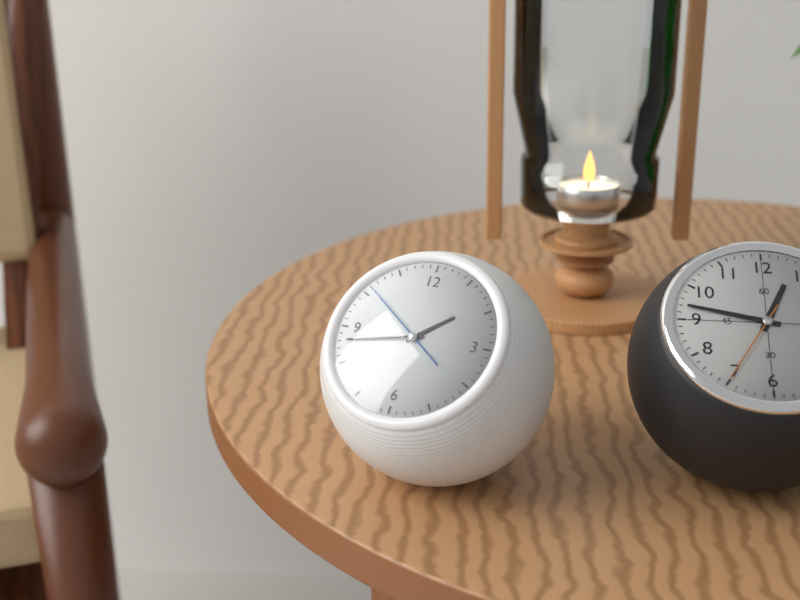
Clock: 1:43:51
